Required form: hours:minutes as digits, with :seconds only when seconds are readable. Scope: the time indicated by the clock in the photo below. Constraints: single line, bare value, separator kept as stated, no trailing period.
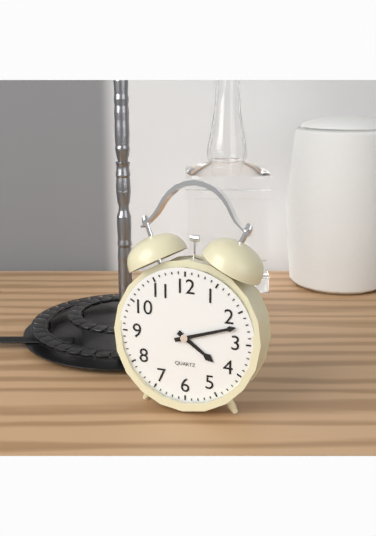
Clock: 4:12
